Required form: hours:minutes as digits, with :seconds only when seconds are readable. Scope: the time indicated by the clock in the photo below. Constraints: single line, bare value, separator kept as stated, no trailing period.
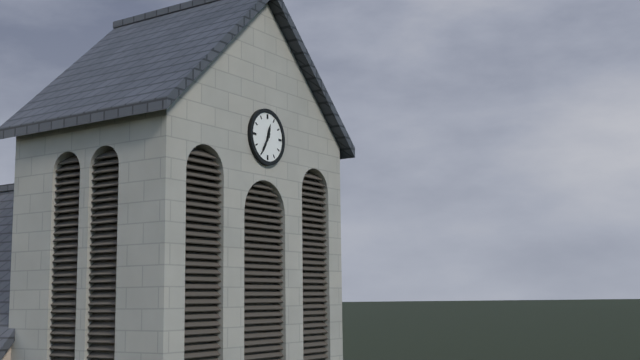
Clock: 12:35
